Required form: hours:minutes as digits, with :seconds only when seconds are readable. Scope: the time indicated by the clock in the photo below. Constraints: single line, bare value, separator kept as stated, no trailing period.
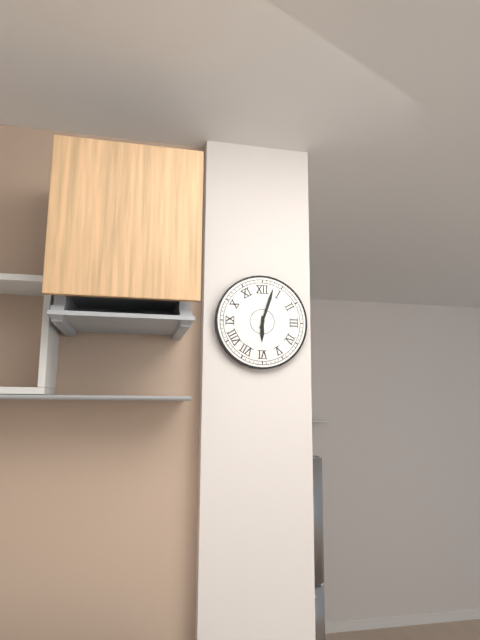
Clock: 6:03
